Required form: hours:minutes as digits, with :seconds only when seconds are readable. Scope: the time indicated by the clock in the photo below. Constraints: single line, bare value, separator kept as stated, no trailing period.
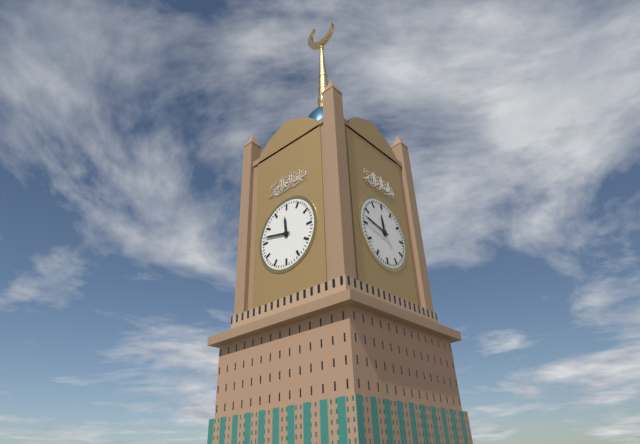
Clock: 11:47
